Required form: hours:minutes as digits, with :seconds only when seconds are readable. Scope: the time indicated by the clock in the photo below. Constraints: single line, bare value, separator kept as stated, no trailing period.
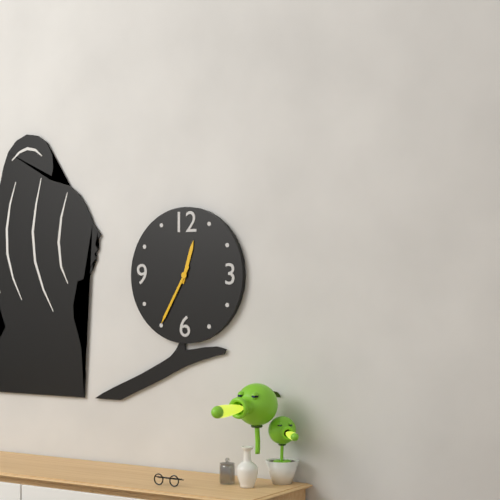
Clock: 12:35
